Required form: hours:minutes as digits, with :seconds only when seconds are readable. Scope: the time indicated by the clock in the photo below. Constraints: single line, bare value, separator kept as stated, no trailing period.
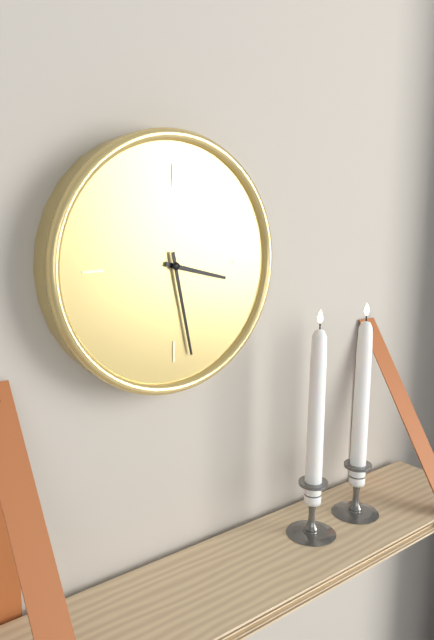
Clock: 3:28
